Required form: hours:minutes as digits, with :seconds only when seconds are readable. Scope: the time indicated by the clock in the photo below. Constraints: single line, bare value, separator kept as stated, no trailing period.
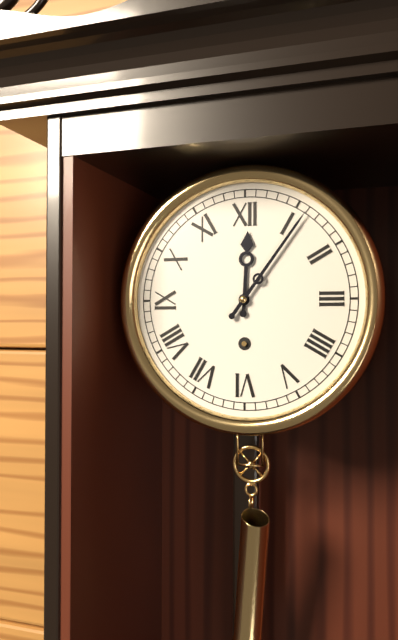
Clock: 12:06
